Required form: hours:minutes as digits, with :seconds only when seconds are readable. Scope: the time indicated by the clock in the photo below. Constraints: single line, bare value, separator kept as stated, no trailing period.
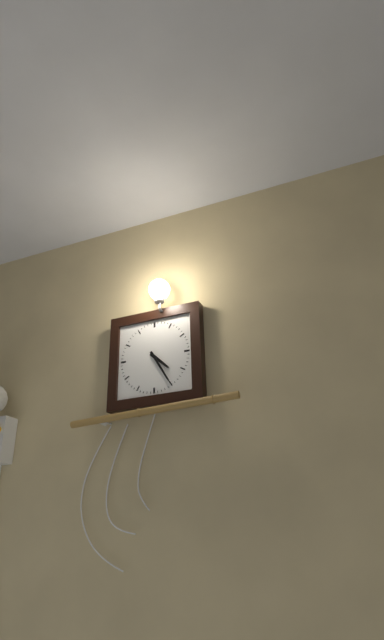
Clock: 4:25
